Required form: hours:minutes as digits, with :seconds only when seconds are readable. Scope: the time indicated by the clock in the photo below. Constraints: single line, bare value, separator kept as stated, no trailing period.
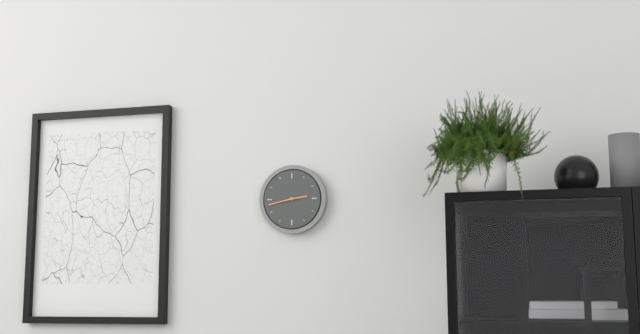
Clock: 2:43
